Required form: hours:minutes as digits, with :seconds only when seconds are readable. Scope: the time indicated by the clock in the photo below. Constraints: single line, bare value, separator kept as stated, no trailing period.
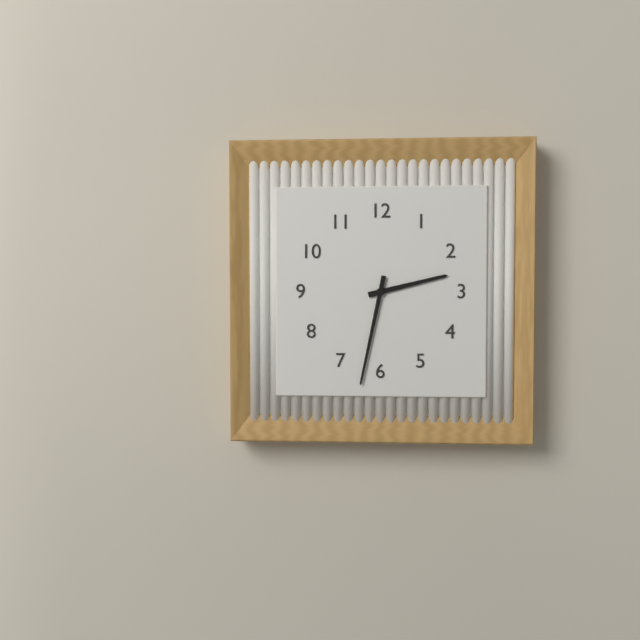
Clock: 2:32
